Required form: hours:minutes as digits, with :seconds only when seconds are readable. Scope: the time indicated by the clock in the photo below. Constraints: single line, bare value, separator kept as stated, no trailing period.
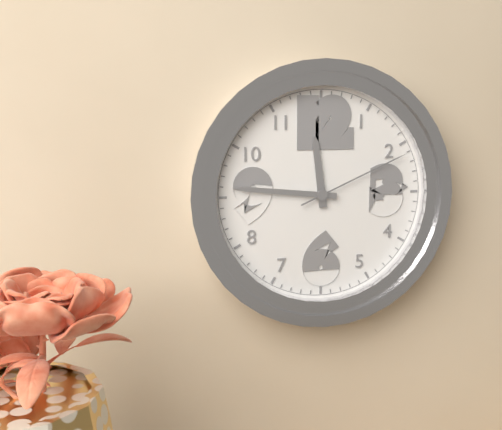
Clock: 11:46:11
